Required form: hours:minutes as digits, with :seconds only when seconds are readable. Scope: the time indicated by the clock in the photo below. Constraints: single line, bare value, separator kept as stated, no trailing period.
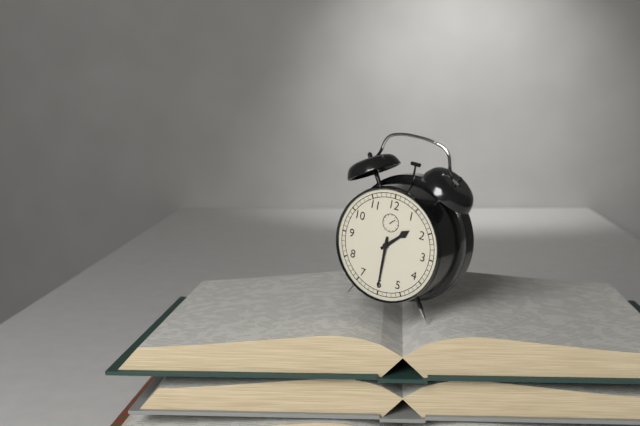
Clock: 1:30
